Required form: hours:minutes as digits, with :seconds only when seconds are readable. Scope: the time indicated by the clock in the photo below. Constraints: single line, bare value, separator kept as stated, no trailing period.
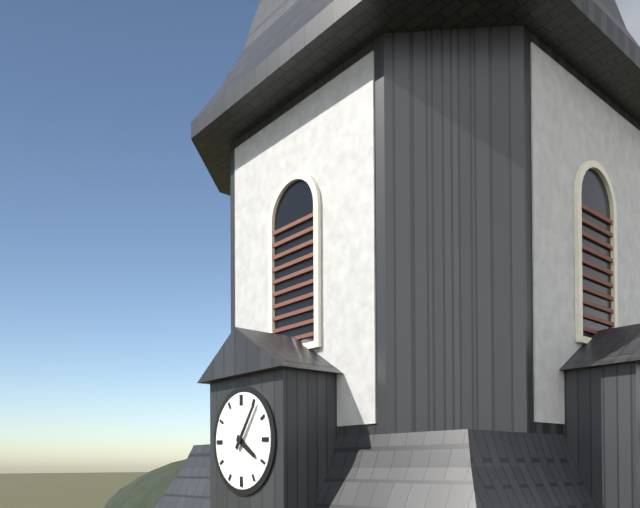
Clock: 4:06
